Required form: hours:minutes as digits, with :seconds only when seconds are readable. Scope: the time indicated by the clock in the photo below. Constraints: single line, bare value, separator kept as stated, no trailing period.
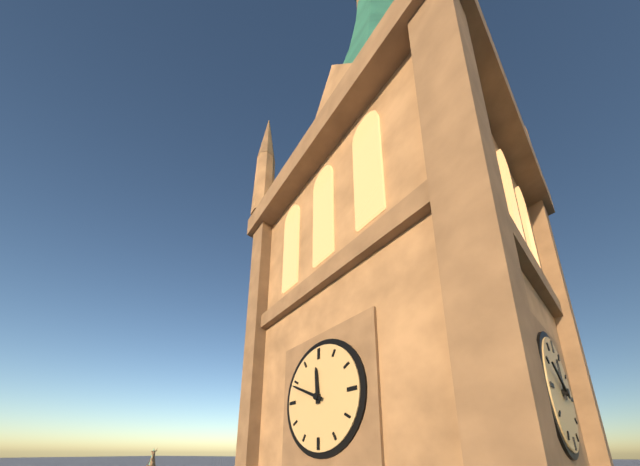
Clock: 11:49
